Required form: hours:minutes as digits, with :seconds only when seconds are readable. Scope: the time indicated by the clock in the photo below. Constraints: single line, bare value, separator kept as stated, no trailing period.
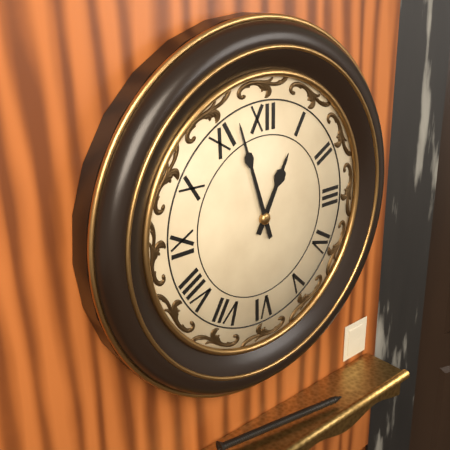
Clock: 12:57
